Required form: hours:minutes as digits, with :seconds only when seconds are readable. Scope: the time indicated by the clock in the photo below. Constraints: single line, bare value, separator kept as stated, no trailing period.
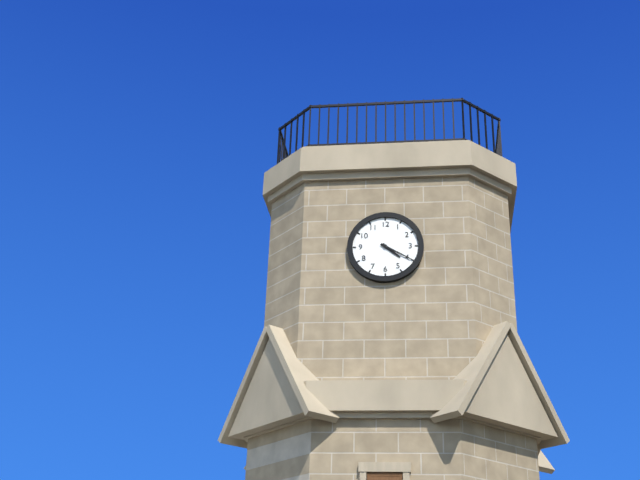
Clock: 4:20
